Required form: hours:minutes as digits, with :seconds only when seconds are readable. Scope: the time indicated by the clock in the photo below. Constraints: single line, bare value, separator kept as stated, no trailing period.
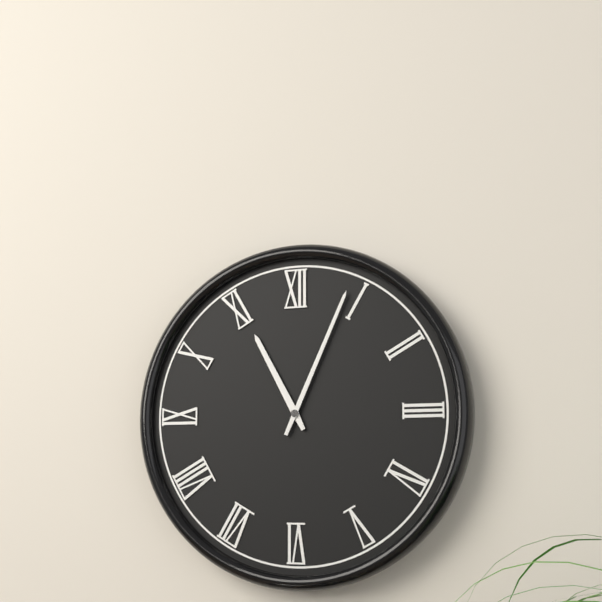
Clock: 11:04
